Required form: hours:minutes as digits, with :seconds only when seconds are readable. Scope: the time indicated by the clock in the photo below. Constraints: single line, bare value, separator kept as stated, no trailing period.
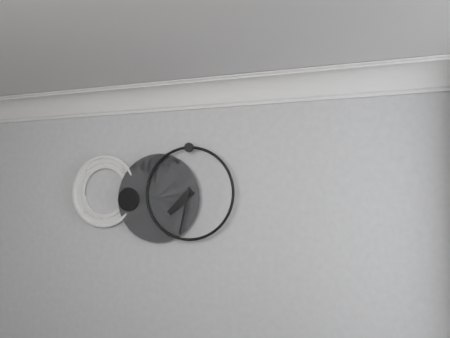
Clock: 7:32
